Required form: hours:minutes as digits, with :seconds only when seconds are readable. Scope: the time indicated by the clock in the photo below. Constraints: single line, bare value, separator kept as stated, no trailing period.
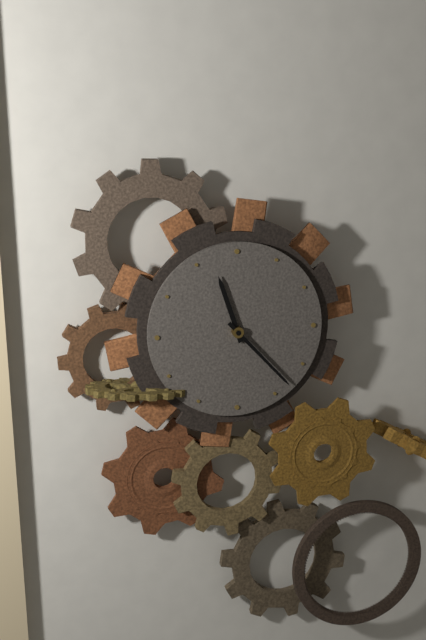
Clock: 11:23
